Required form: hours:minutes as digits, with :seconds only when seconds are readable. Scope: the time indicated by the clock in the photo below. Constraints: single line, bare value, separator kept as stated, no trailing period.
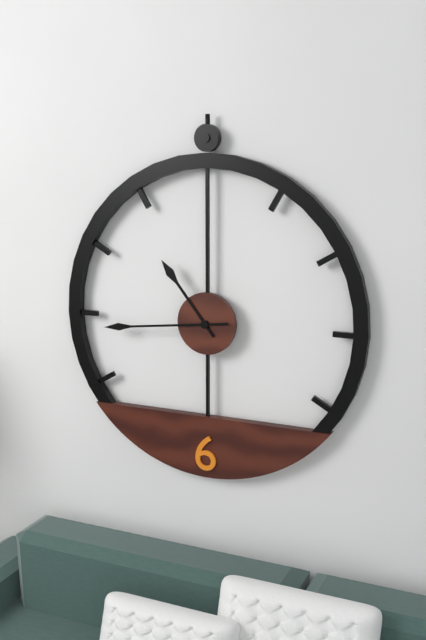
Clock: 10:44
